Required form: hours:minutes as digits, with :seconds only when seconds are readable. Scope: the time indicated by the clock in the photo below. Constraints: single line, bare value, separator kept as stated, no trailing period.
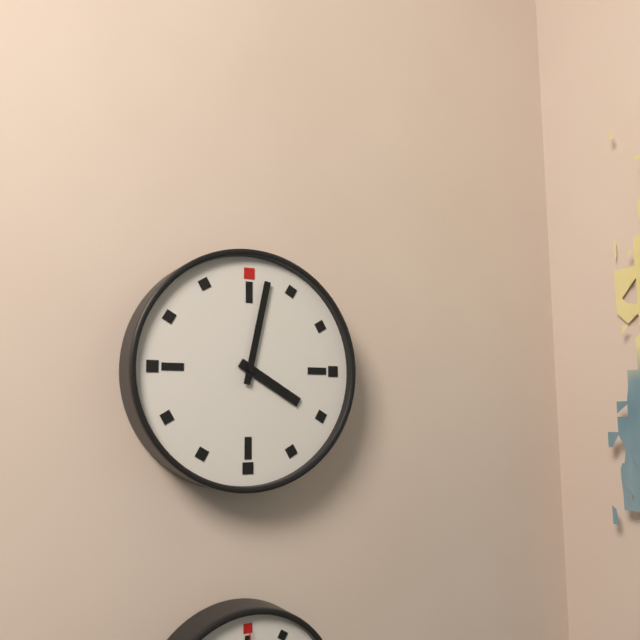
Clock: 4:02
